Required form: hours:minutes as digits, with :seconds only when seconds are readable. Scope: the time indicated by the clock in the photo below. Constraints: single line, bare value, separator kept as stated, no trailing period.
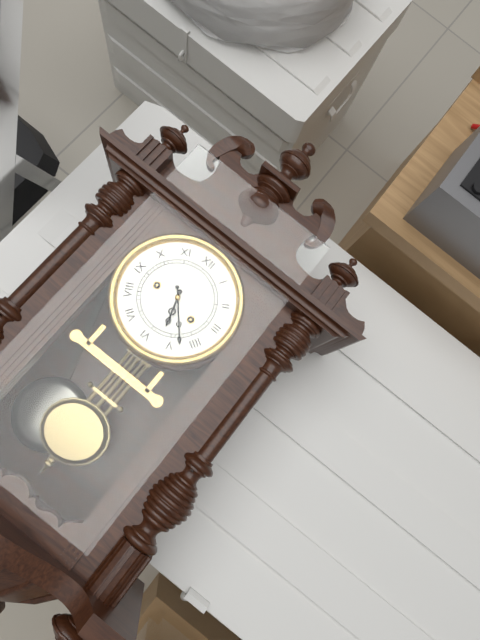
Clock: 5:23
